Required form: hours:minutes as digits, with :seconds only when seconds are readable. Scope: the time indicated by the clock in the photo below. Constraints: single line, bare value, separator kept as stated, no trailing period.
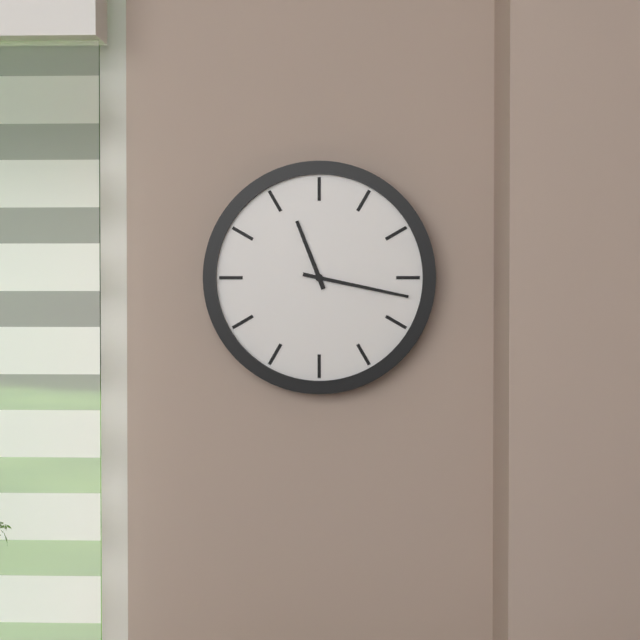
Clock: 11:17
